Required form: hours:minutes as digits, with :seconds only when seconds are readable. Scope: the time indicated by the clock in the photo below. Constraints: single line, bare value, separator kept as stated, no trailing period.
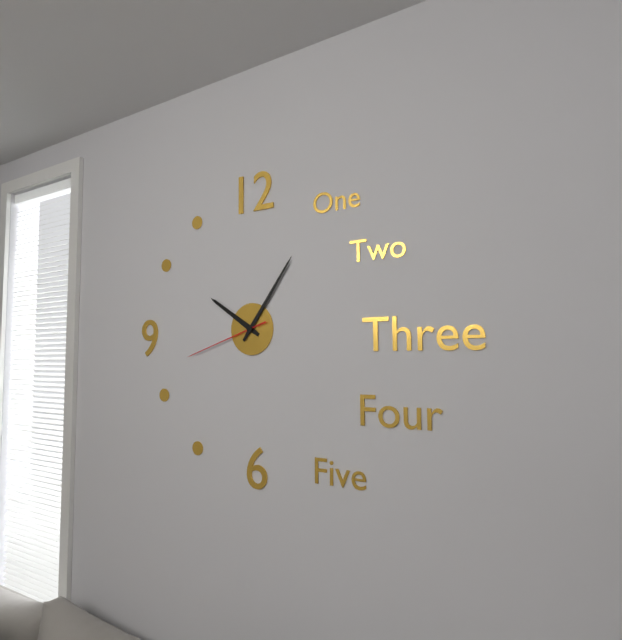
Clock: 10:06:42
